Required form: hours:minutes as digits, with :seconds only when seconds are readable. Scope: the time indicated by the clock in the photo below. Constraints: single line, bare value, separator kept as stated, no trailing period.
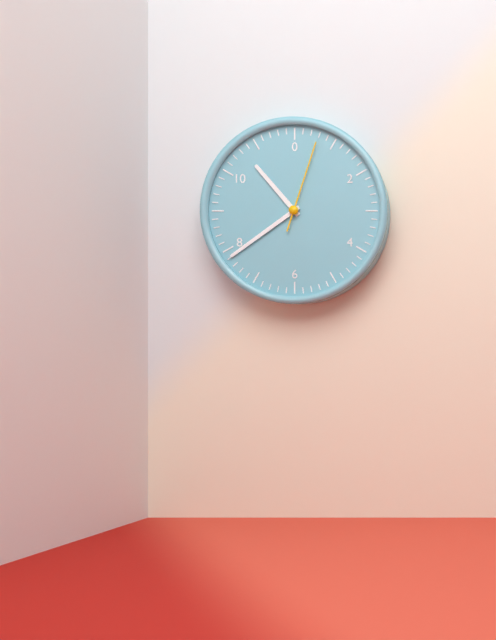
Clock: 10:39:03
